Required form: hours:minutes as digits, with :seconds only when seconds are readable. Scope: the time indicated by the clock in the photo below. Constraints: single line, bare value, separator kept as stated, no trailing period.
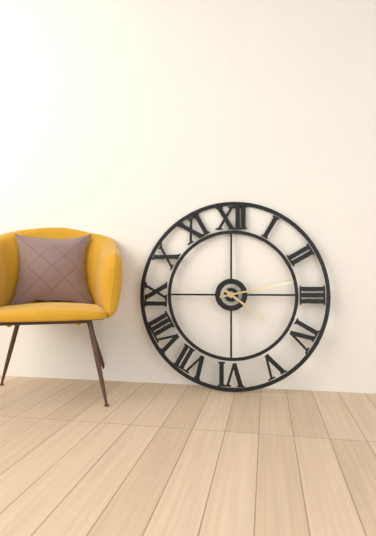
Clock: 4:13
